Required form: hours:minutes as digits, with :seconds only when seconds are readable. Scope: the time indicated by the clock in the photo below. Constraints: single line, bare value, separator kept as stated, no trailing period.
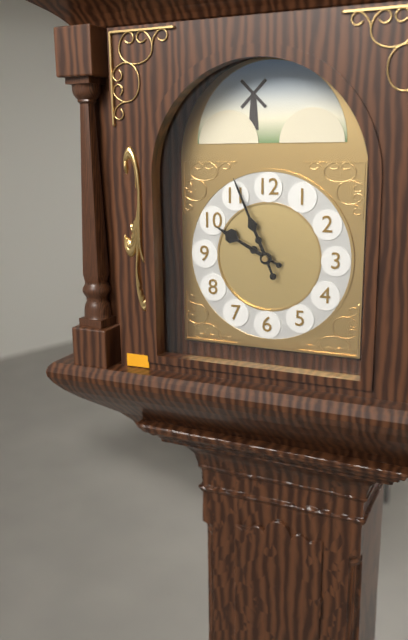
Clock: 9:56
